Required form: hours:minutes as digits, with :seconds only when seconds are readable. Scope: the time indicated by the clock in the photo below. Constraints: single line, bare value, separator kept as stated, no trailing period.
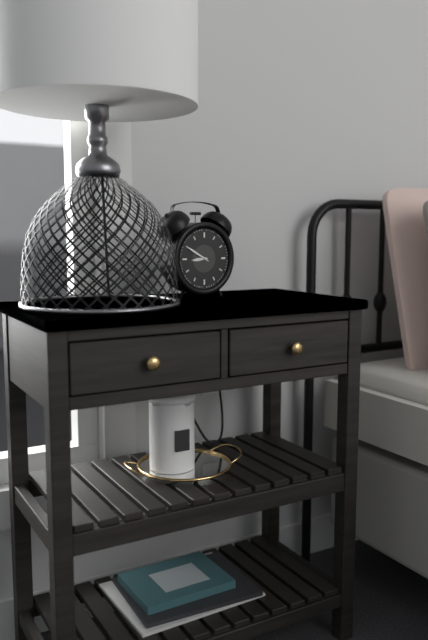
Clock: 8:50
